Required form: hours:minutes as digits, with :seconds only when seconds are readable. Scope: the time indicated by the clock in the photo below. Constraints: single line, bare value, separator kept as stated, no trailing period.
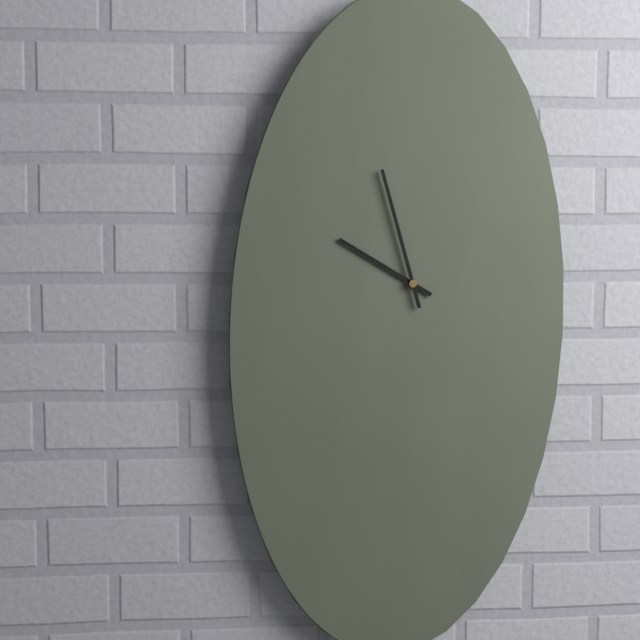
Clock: 9:57
